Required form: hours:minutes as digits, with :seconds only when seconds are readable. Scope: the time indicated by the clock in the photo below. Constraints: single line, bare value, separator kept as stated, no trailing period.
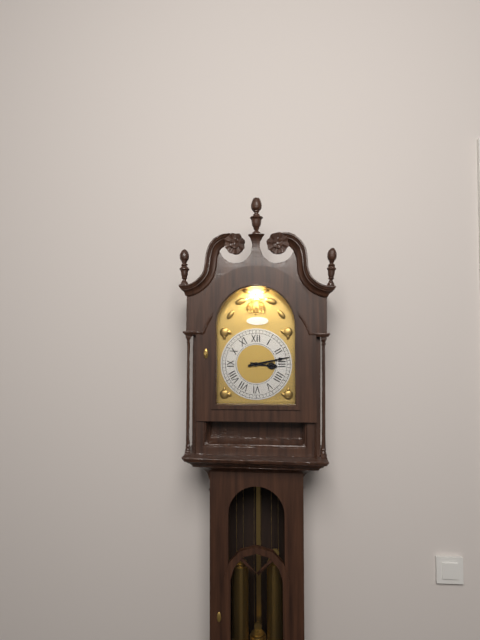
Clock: 3:13
